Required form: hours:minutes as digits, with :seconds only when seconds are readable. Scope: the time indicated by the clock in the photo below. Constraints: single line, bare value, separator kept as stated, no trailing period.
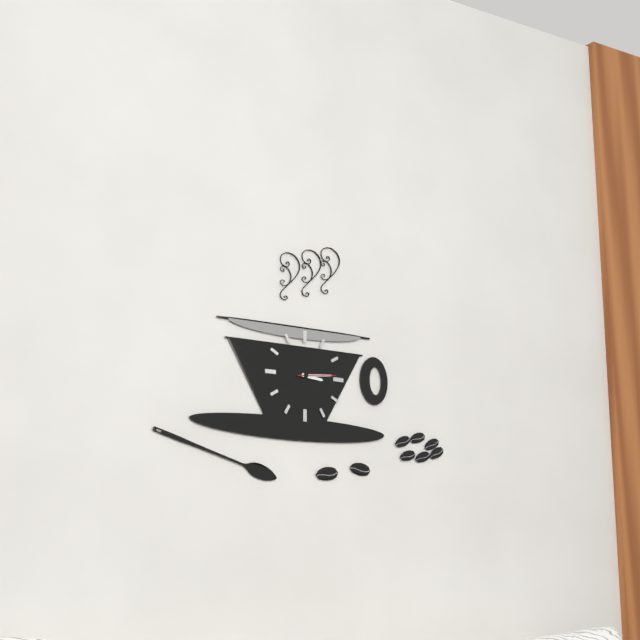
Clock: 3:14
